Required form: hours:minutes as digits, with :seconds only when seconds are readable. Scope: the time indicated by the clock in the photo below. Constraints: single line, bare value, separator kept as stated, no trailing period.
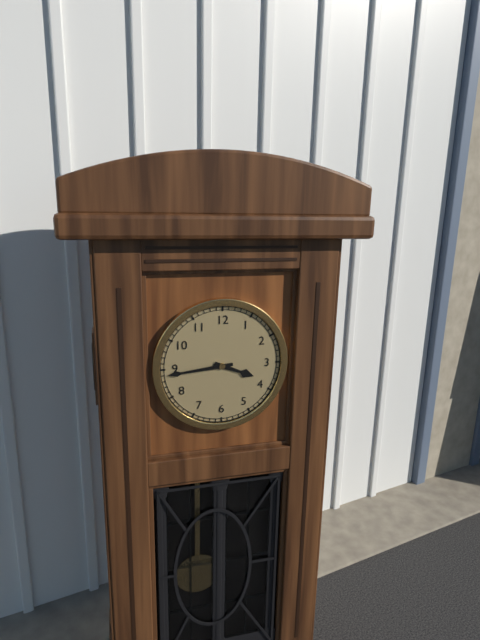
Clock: 3:44
